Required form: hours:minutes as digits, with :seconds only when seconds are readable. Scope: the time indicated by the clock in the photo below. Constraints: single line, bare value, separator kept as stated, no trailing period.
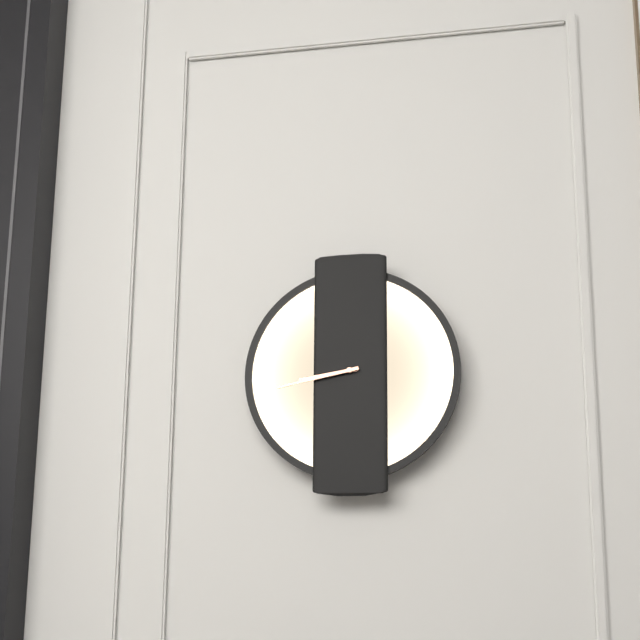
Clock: 8:43
